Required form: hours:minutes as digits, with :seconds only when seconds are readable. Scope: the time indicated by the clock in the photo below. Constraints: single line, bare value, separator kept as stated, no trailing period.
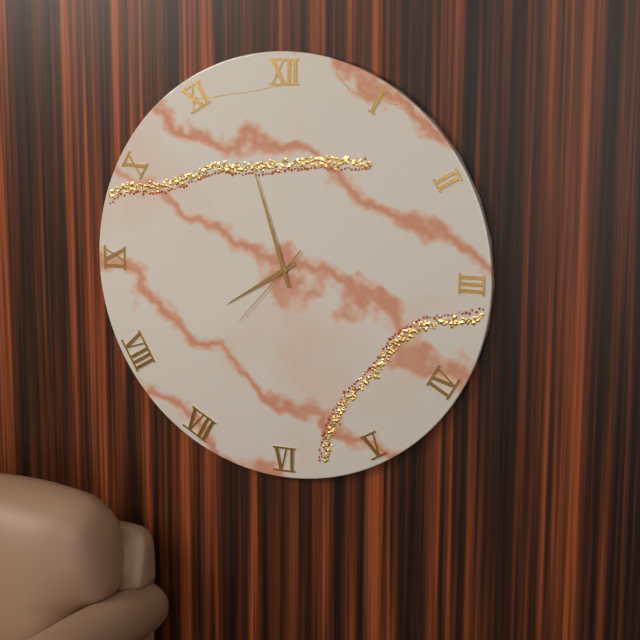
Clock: 7:57:37
